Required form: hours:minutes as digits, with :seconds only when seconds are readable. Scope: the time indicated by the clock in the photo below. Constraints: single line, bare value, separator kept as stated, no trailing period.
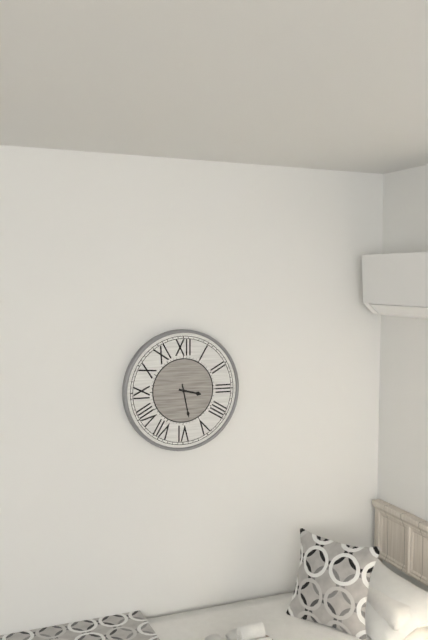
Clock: 3:28
